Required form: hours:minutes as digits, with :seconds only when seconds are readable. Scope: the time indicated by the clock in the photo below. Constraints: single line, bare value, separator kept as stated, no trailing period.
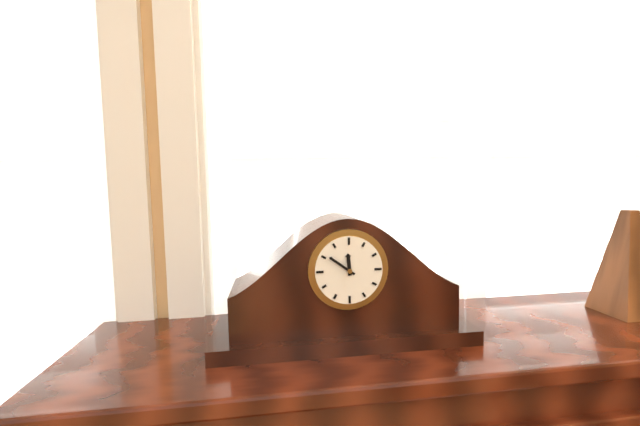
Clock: 11:51
